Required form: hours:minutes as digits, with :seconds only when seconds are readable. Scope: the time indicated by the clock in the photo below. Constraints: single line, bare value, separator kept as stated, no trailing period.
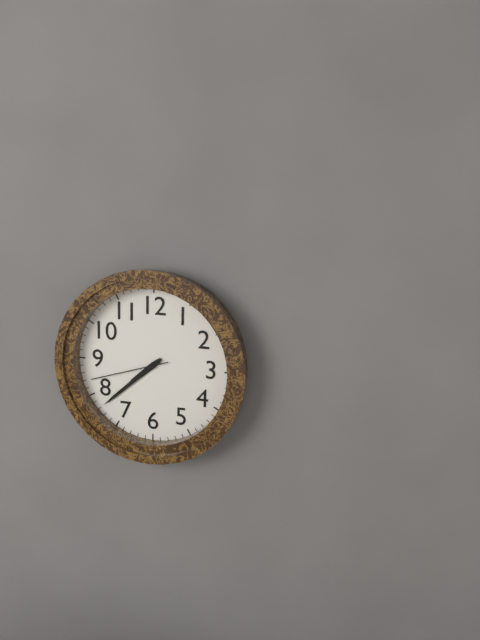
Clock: 7:38:42
